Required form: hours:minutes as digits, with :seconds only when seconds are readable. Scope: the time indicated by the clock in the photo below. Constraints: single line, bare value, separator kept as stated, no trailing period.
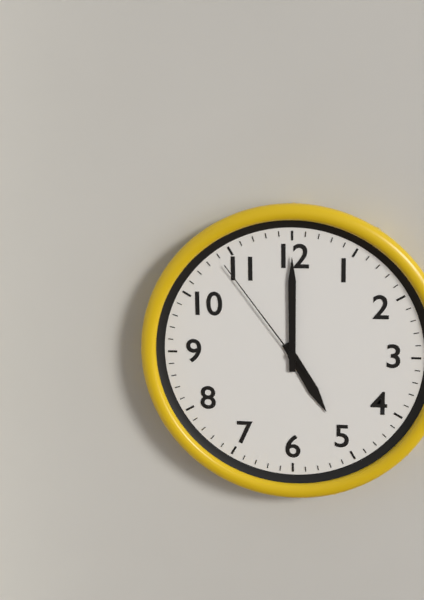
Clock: 5:00:54
